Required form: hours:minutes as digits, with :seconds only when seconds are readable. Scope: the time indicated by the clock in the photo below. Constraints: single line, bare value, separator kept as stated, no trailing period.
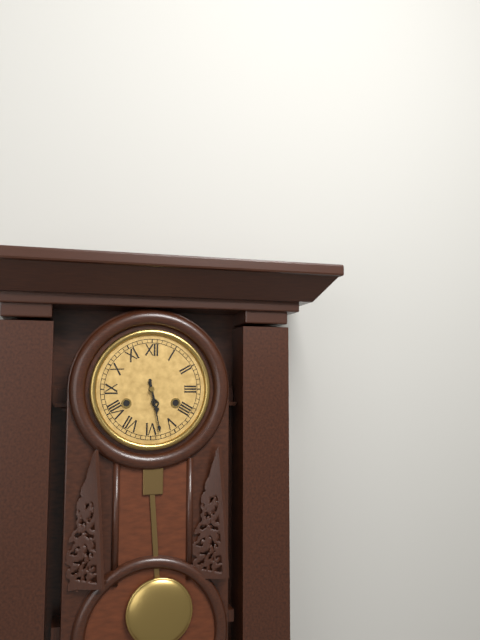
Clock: 5:28
